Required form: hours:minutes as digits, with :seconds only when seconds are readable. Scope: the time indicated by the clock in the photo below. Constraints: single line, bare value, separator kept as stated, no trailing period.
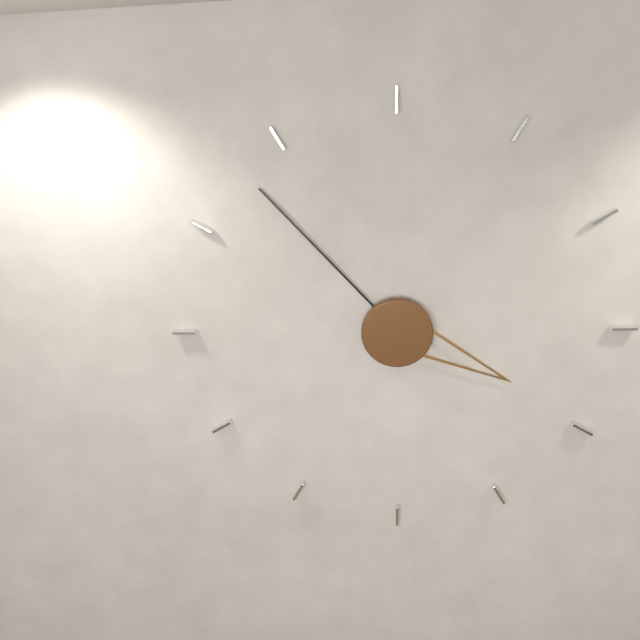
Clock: 3:53
